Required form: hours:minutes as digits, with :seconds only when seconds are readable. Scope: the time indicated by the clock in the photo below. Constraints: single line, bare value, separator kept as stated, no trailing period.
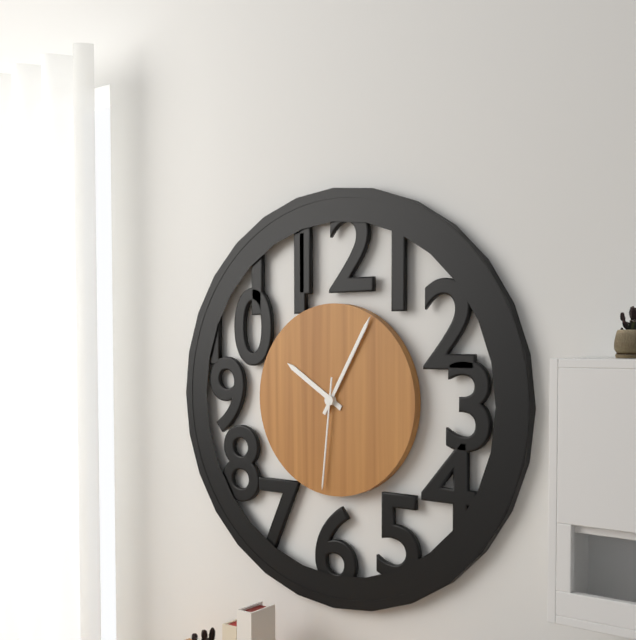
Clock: 10:05:31
